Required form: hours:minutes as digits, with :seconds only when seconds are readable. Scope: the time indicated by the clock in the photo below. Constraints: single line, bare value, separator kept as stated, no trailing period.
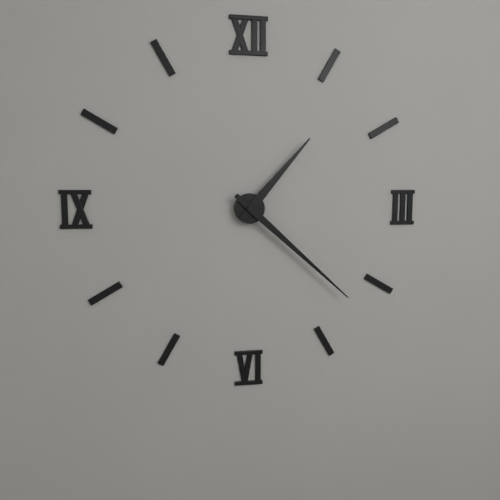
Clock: 1:22
